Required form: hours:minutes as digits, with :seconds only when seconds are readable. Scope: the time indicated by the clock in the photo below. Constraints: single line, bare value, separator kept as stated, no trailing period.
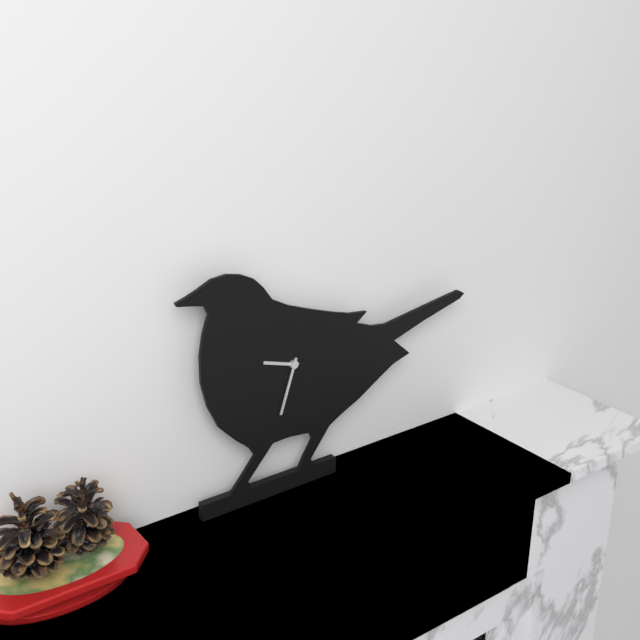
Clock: 9:33
